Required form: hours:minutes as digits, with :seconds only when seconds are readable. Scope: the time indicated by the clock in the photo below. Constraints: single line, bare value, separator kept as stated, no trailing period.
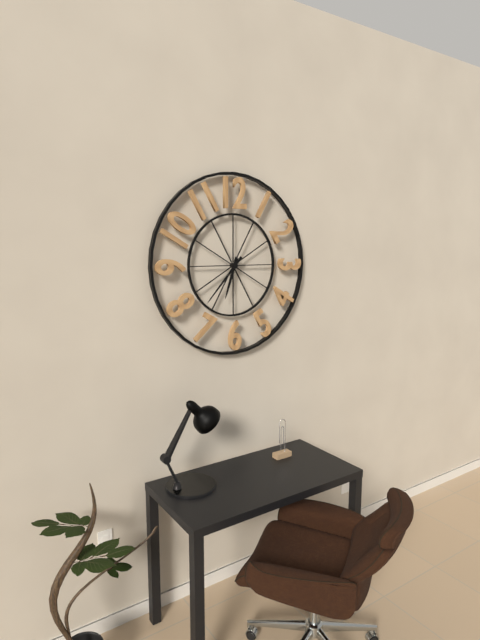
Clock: 6:37
